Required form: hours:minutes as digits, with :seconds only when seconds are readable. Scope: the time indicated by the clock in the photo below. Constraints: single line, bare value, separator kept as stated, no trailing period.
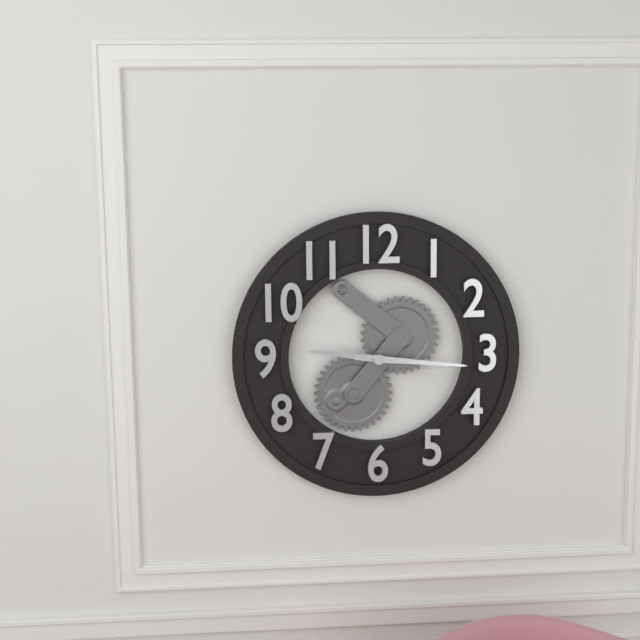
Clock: 9:16
